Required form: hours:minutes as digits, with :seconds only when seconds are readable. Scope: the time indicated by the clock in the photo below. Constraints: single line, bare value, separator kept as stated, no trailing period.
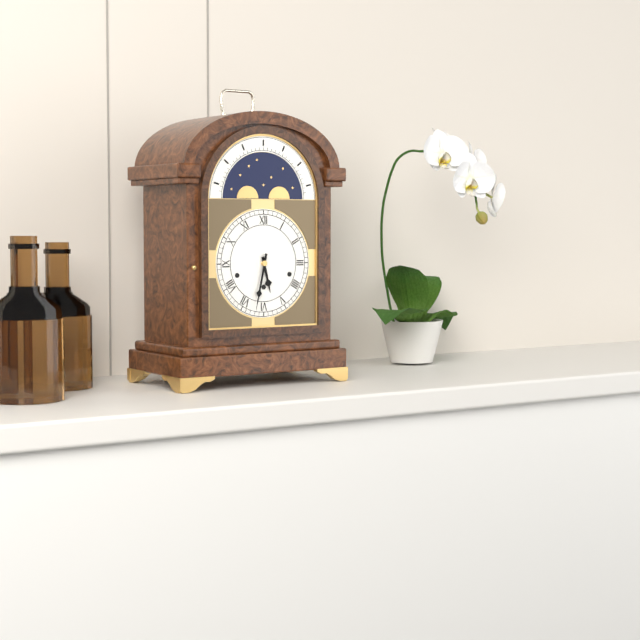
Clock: 5:32
